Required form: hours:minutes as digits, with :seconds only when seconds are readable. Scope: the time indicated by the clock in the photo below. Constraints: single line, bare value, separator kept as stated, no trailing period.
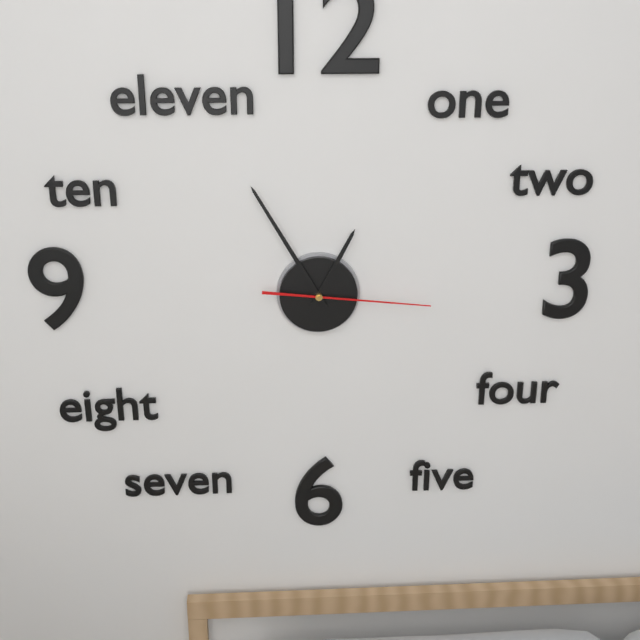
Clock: 12:55:16
